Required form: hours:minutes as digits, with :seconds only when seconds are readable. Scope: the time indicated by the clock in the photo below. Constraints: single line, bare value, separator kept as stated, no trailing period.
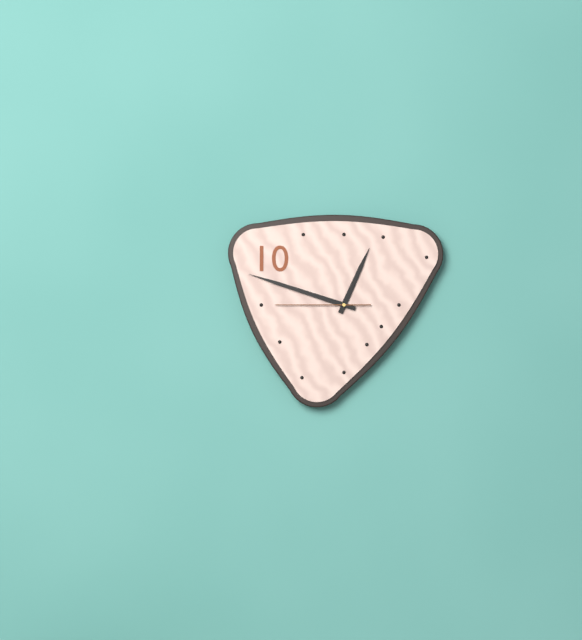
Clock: 12:48:45
